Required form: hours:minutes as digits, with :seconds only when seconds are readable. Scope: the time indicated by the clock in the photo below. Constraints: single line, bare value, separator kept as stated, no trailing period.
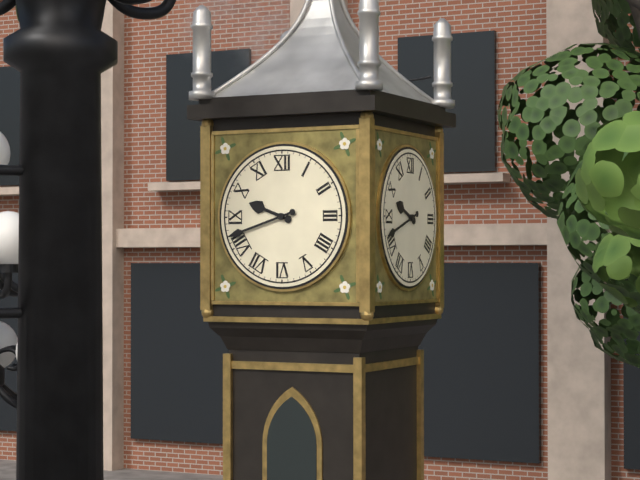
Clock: 9:42
